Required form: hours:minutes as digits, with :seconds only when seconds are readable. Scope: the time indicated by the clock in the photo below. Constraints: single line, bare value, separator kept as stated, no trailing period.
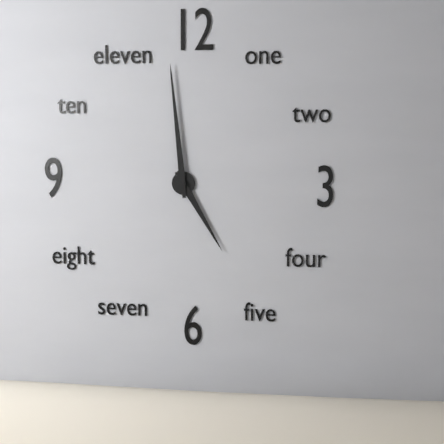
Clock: 4:59
